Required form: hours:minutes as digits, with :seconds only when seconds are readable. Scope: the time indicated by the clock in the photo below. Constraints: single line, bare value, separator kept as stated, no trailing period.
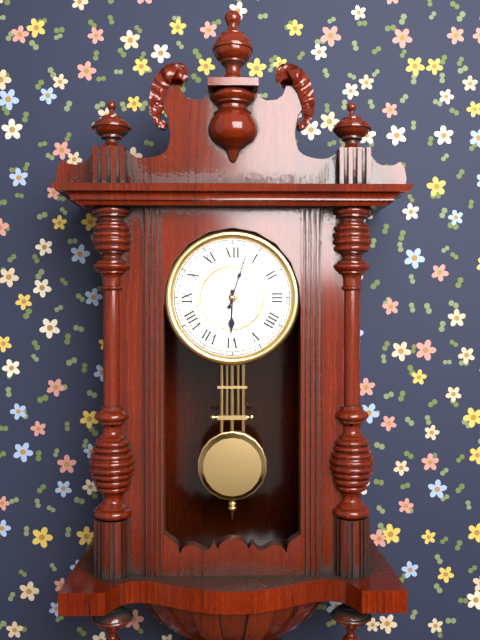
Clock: 6:03
